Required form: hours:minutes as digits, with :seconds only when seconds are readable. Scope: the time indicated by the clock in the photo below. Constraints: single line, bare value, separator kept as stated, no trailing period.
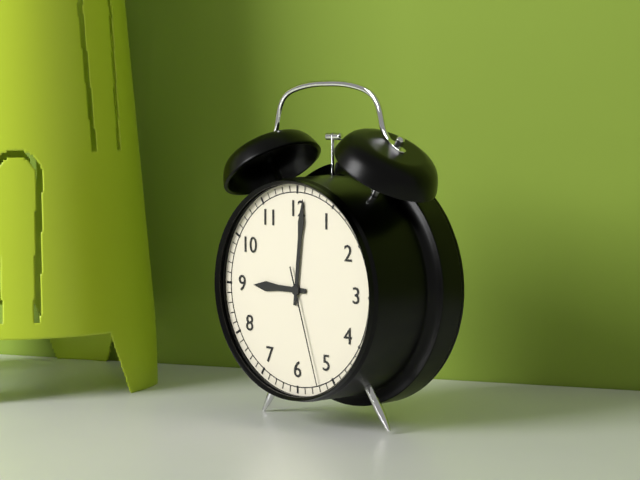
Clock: 9:01:27
